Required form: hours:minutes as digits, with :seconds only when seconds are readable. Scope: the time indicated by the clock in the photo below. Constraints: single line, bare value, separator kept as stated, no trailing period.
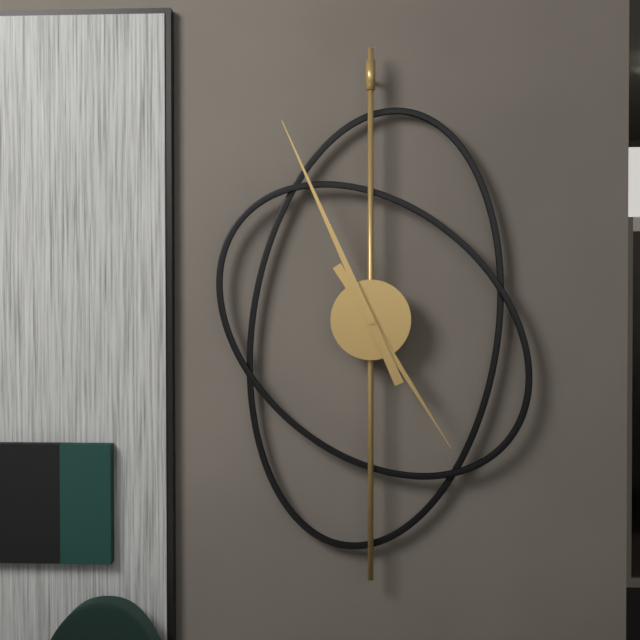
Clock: 4:56
